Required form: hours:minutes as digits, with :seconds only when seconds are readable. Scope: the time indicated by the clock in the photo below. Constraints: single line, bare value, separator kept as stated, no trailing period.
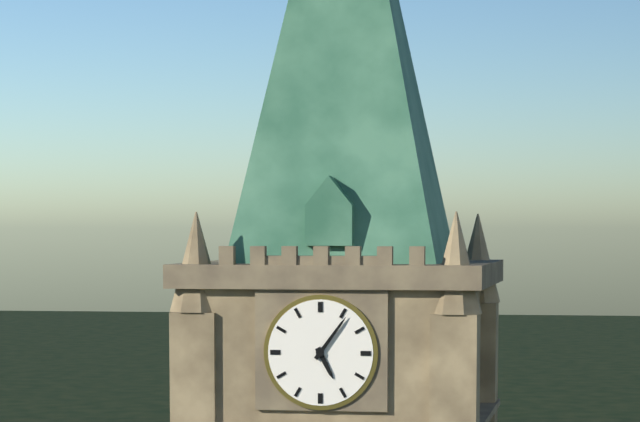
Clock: 5:06
